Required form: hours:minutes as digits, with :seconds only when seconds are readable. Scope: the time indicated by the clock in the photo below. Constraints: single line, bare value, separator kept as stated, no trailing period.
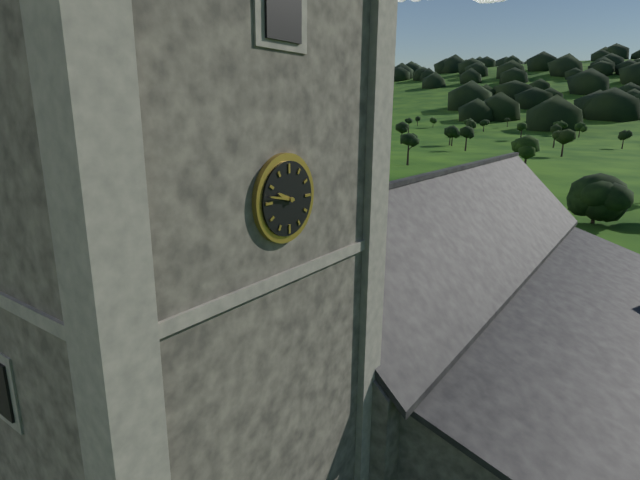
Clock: 9:47
